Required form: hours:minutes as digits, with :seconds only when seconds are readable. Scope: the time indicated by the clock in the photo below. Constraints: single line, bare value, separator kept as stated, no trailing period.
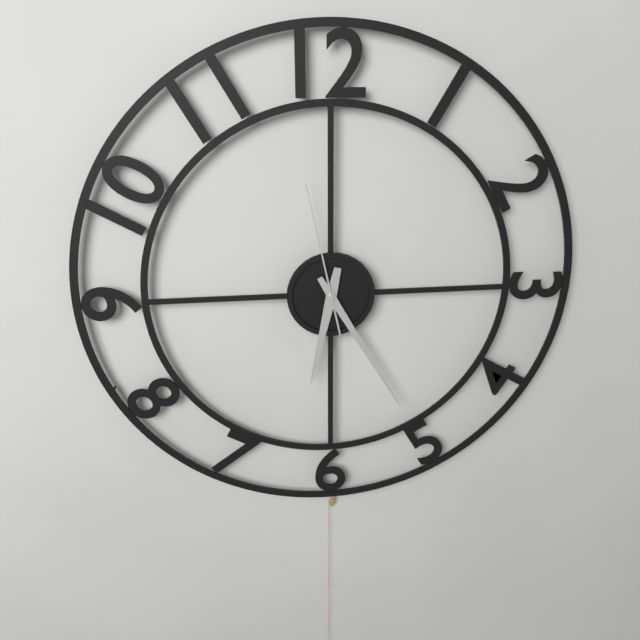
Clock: 6:25:58
